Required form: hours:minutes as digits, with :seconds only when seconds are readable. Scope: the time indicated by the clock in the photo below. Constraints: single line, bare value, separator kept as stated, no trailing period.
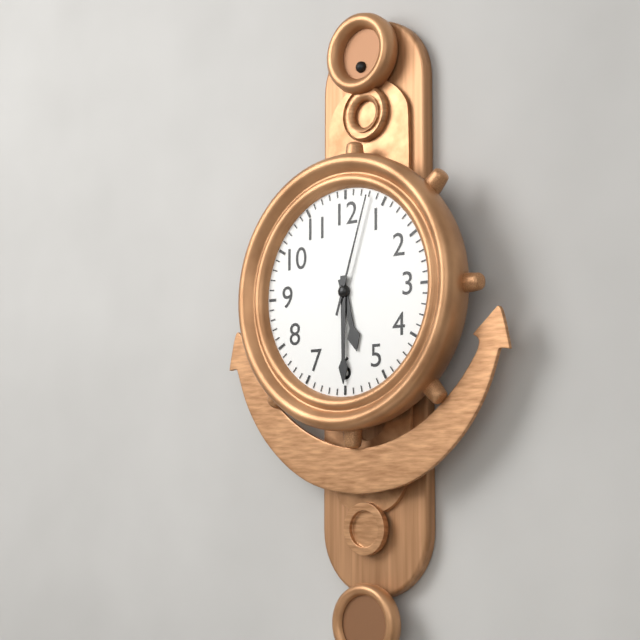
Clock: 5:30:03
